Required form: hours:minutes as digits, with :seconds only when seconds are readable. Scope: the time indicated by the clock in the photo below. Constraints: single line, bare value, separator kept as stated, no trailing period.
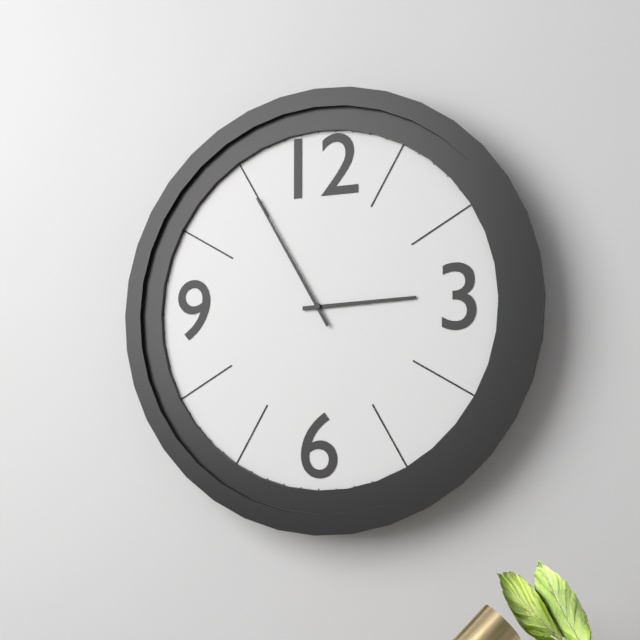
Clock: 2:55
